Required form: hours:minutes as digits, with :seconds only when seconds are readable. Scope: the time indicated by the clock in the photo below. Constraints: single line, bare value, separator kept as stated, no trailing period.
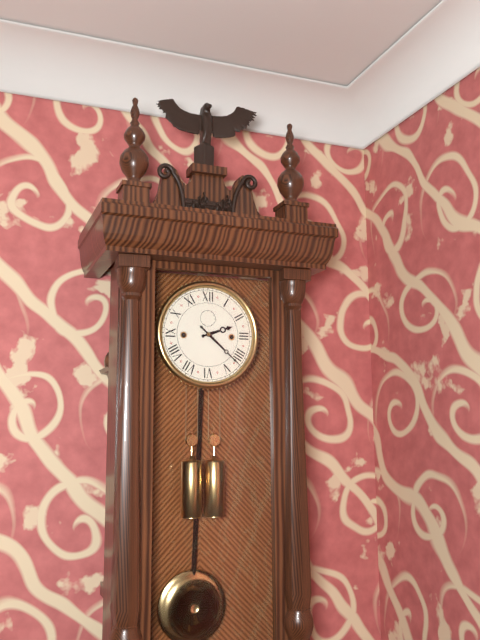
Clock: 2:22
